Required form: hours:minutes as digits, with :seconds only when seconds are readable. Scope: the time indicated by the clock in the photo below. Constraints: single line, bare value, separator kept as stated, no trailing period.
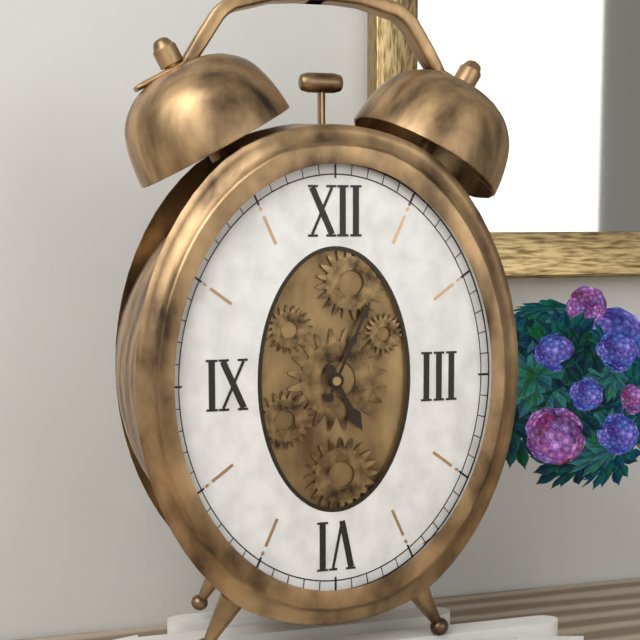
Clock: 5:04
